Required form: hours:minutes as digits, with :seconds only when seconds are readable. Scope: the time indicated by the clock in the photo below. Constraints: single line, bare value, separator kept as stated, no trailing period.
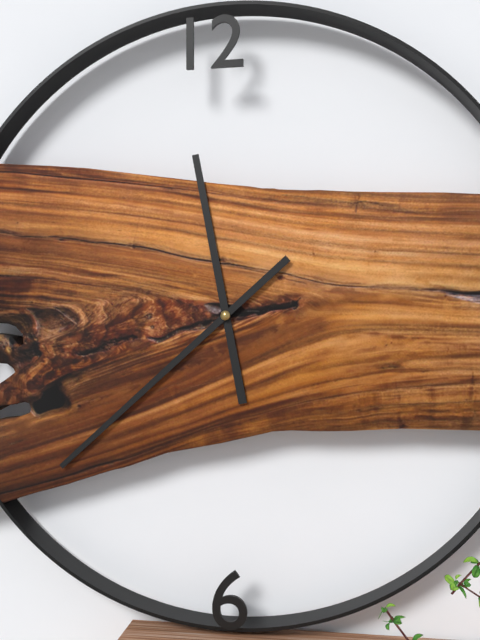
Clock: 11:38
